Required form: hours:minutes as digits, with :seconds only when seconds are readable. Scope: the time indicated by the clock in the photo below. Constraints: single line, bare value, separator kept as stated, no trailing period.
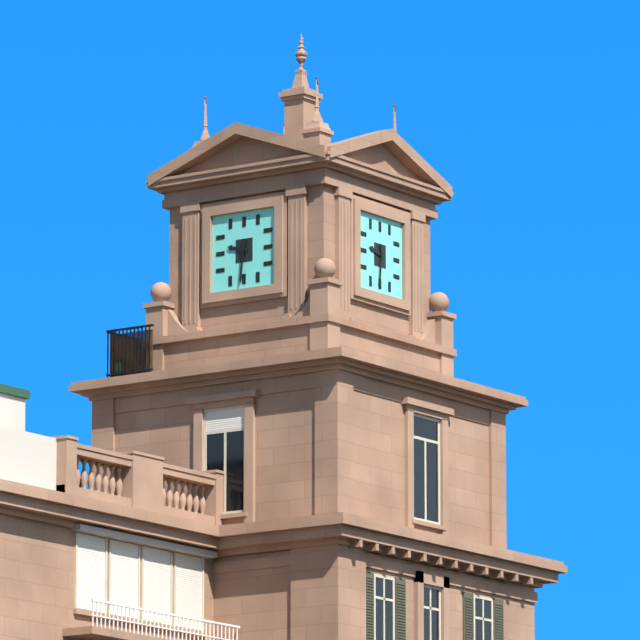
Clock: 9:31
